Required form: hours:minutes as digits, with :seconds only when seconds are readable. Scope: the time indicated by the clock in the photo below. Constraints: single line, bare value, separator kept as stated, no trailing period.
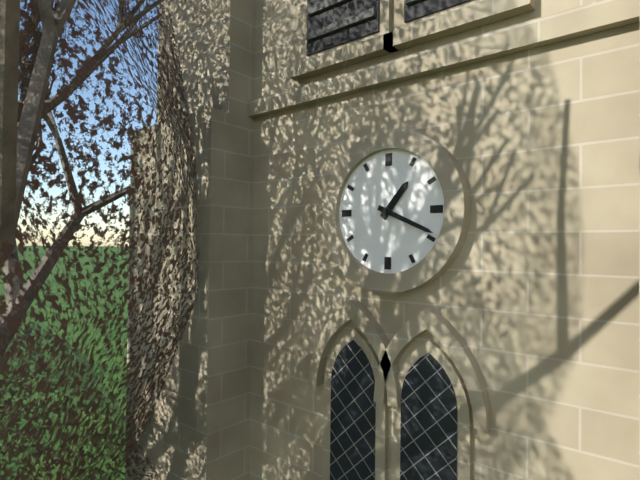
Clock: 1:19
